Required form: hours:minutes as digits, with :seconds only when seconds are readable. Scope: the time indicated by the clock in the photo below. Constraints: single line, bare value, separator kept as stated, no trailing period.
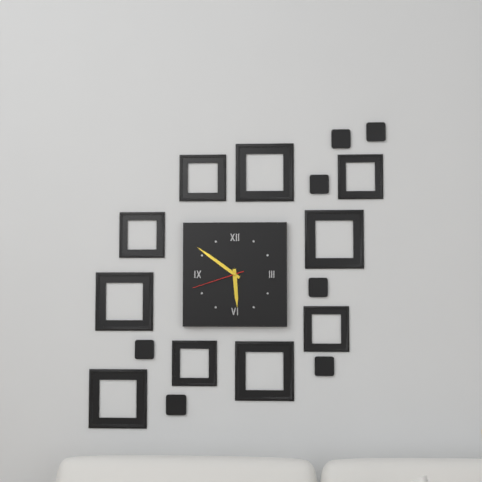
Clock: 5:51:42
